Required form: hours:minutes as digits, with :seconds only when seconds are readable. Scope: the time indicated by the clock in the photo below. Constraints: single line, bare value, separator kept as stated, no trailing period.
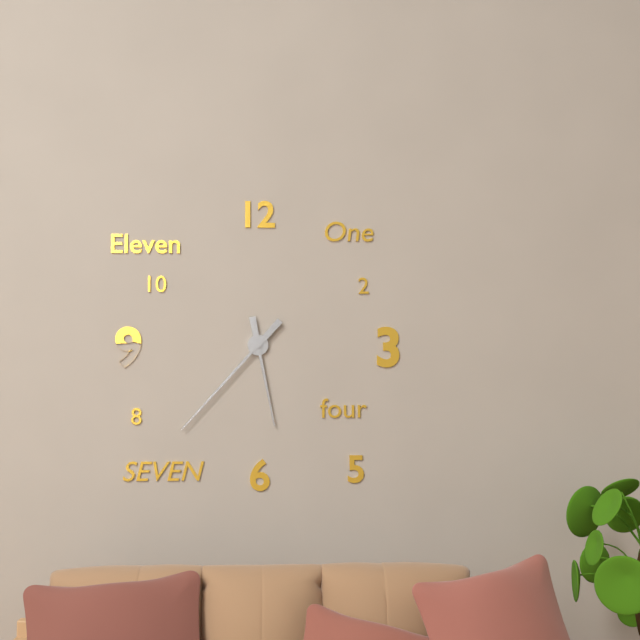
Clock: 5:37
